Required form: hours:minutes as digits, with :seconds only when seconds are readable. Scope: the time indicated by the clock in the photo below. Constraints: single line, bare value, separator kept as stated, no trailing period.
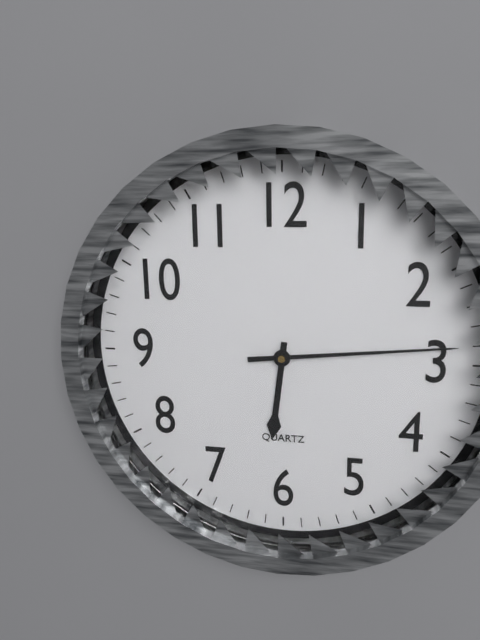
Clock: 6:14
